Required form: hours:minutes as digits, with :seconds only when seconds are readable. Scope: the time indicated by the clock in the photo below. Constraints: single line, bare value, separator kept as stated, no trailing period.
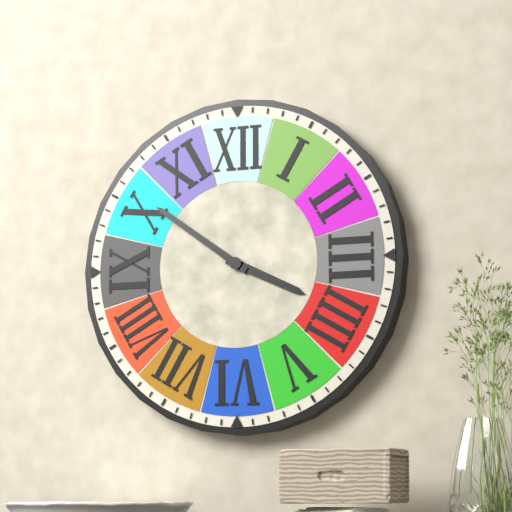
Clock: 3:51
